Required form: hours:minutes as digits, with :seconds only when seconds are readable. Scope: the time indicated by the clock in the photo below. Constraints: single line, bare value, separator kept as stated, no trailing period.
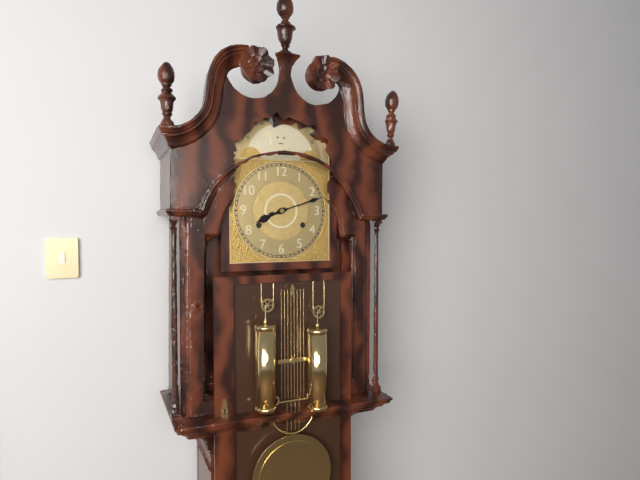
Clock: 8:12
